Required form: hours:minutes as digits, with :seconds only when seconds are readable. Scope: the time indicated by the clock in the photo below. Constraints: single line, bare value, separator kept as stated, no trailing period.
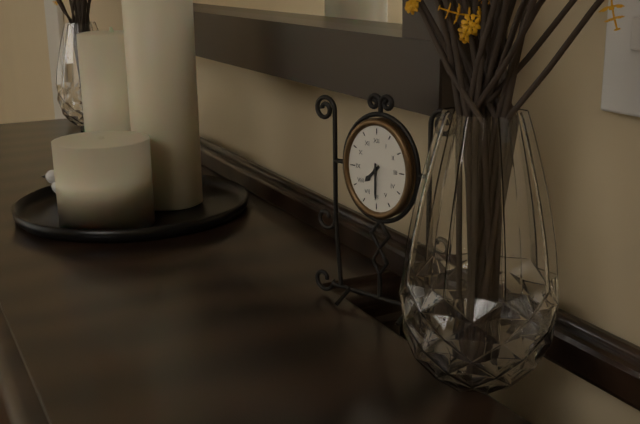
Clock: 7:30
